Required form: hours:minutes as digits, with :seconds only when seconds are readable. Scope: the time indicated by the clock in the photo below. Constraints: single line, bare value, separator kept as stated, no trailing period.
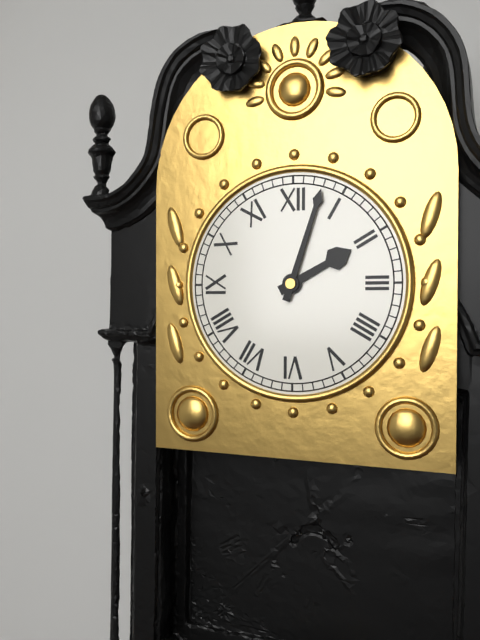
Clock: 2:03
